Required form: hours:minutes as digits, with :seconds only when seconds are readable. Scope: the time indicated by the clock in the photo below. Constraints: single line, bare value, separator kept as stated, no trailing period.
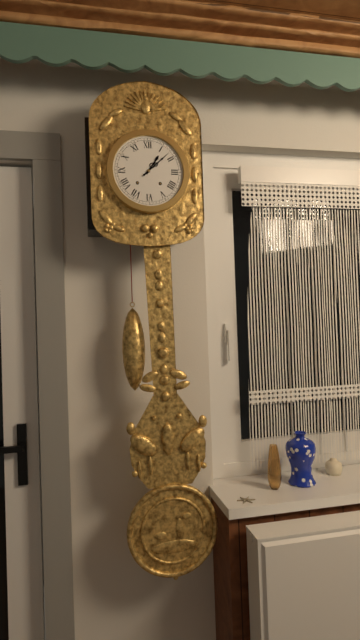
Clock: 1:08
